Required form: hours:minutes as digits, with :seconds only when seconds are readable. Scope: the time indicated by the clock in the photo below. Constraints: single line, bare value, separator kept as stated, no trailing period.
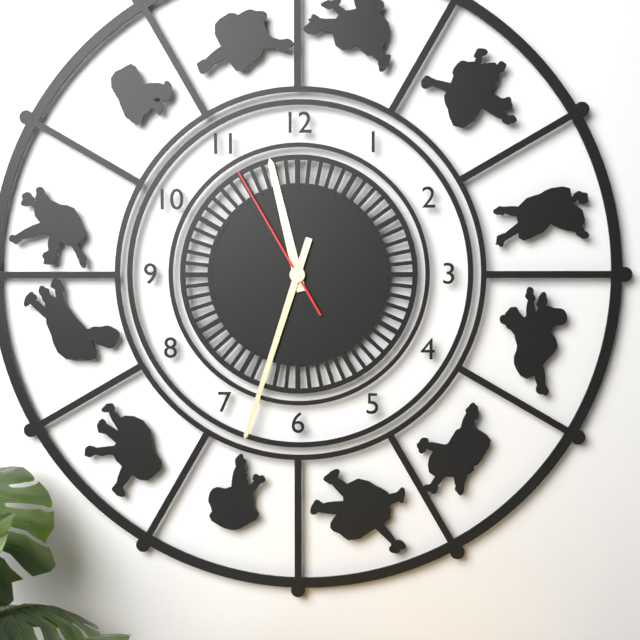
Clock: 11:33:55
